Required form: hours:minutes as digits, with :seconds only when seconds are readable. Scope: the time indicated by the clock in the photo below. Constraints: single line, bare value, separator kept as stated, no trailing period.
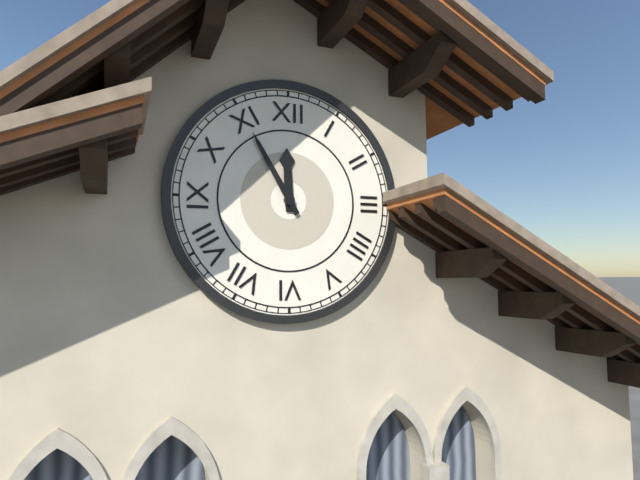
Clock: 11:55
